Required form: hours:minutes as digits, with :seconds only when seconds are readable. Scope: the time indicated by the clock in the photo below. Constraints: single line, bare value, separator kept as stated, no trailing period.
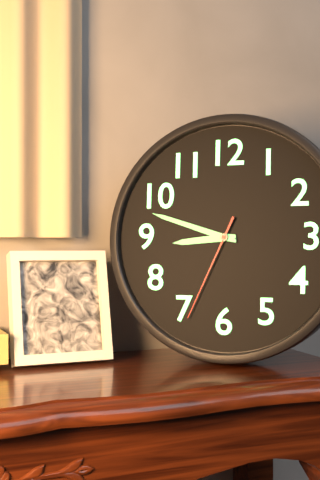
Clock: 8:48:34
